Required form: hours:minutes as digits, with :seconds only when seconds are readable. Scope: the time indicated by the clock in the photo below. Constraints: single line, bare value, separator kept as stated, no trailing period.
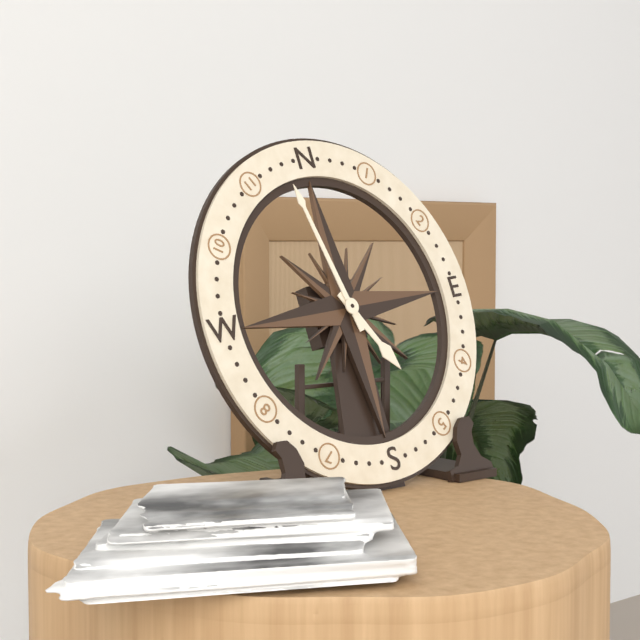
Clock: 4:58
